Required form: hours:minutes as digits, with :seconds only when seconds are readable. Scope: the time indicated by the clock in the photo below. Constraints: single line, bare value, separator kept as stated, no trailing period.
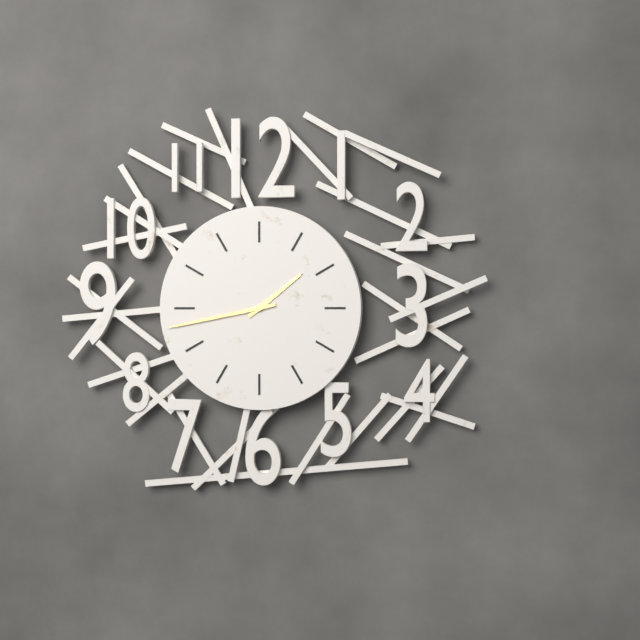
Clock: 1:43
